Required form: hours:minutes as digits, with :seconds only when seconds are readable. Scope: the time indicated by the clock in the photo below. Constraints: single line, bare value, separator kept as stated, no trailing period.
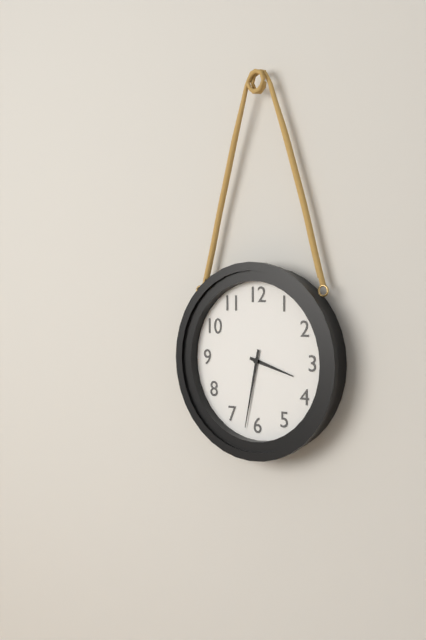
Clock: 3:32
